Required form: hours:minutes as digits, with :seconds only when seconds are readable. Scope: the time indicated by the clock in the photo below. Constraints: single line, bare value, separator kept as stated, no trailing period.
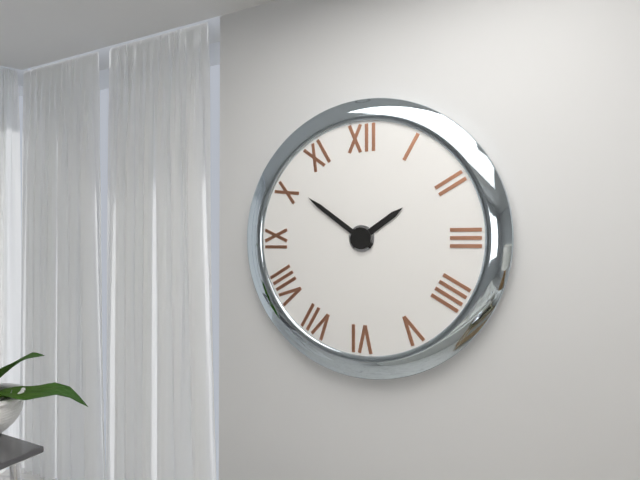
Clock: 1:51
